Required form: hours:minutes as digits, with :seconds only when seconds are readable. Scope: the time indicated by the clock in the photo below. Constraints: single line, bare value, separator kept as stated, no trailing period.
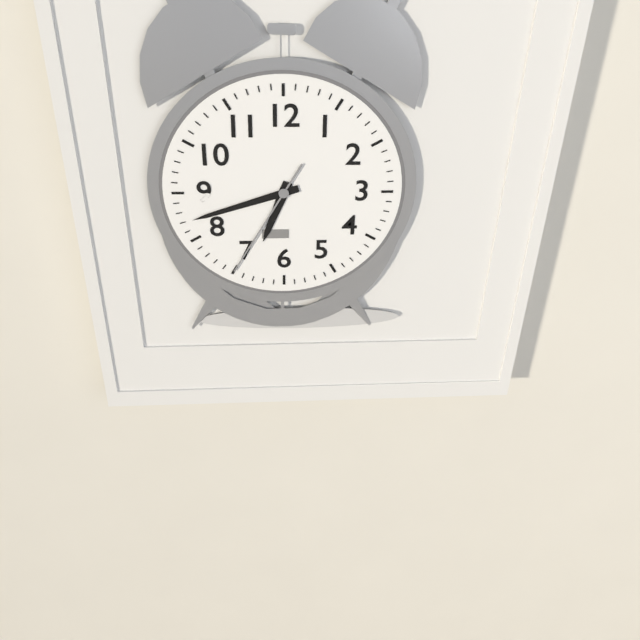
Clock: 6:42:35
